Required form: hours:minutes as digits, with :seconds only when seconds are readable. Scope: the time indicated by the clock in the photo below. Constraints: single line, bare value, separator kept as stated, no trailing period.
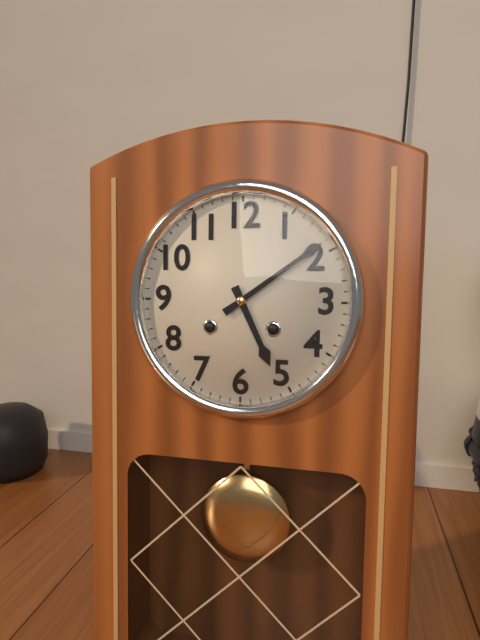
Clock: 5:09
